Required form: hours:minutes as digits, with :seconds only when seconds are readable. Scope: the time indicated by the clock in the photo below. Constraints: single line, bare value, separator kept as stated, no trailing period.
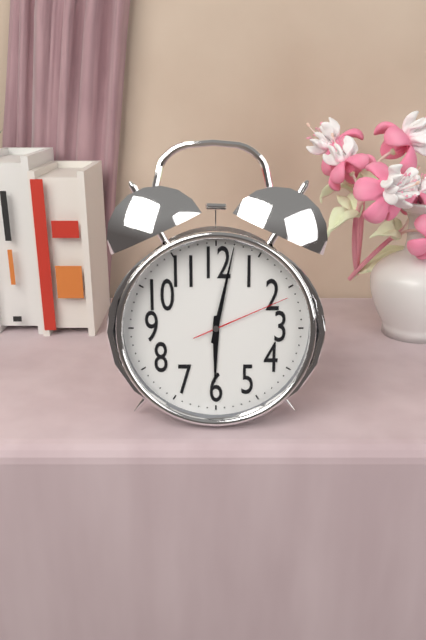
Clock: 6:02:11
